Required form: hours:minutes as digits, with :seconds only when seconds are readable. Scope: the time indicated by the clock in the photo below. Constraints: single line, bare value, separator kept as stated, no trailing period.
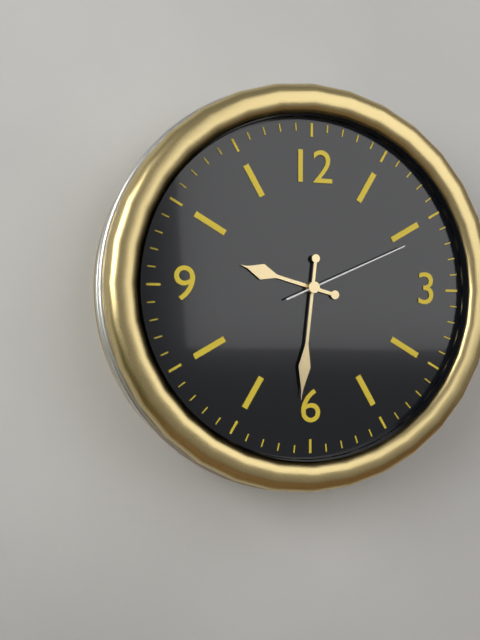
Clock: 9:31:11
